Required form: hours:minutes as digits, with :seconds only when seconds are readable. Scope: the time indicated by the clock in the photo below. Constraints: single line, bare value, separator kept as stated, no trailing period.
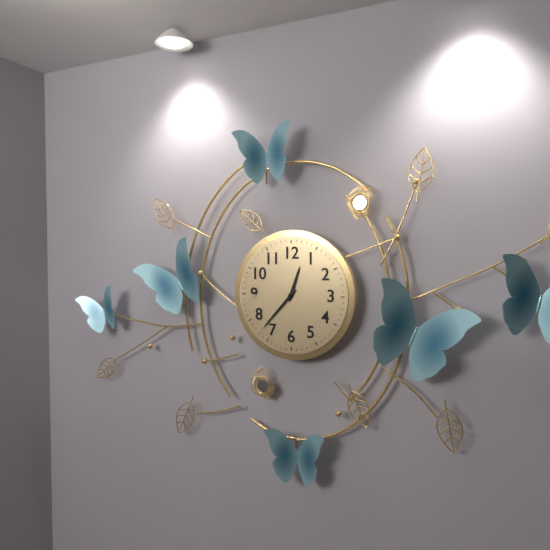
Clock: 12:37
